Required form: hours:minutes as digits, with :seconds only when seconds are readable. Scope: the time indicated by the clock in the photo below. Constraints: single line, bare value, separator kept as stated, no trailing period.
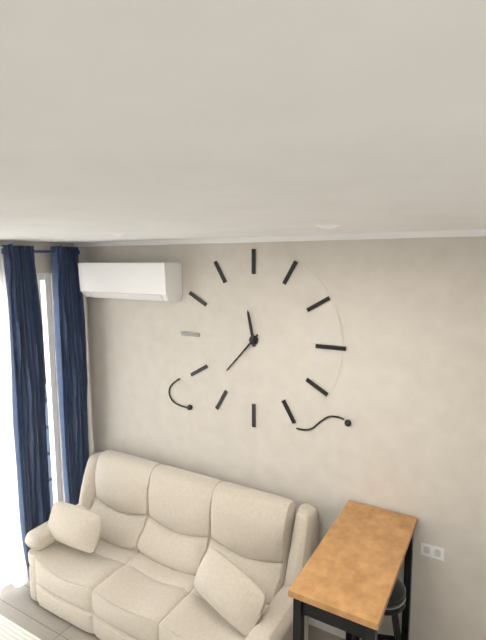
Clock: 11:37
